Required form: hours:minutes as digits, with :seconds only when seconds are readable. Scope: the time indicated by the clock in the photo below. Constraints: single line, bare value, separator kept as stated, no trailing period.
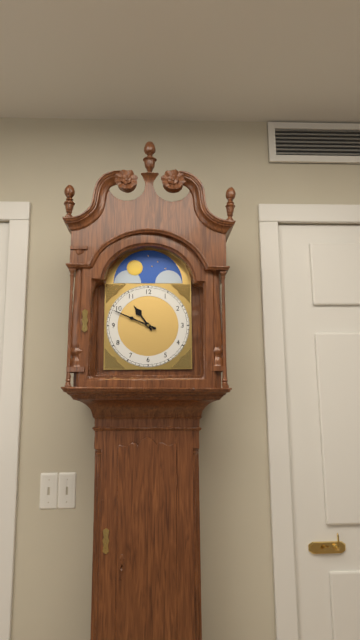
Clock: 10:49
